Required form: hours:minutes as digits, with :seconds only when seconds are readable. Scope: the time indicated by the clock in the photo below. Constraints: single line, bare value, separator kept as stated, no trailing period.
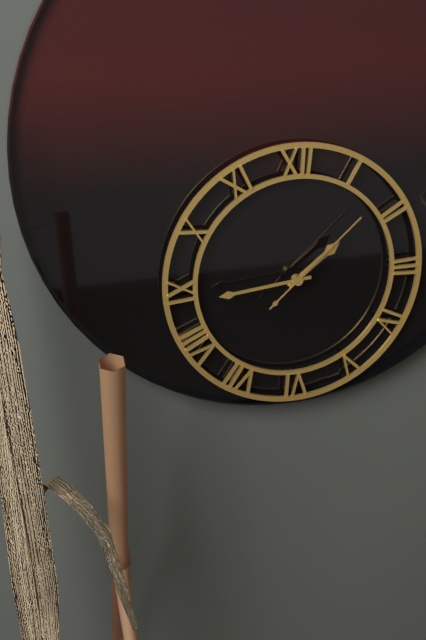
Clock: 1:44:08
